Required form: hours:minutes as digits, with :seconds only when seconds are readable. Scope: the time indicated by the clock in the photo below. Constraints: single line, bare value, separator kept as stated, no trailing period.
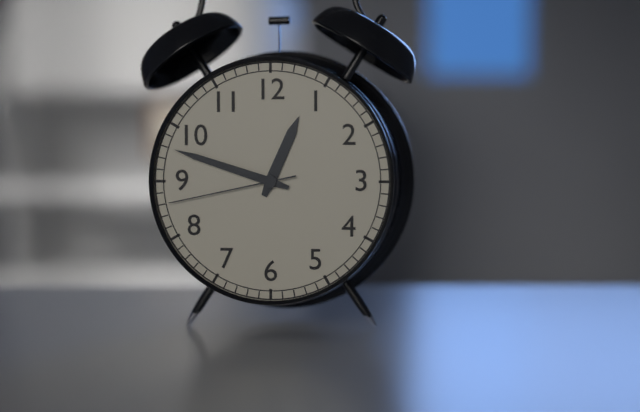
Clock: 12:48:43
